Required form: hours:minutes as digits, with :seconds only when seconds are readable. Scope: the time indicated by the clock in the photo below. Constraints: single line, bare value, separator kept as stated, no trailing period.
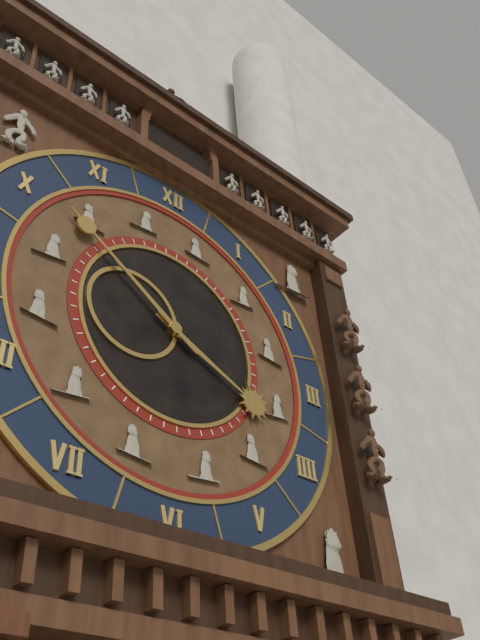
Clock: 3:51
